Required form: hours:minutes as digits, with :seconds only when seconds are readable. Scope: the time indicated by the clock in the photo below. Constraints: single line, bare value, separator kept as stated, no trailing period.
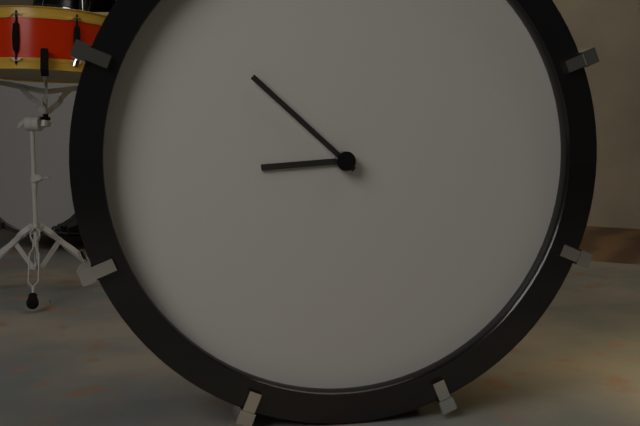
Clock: 8:52
